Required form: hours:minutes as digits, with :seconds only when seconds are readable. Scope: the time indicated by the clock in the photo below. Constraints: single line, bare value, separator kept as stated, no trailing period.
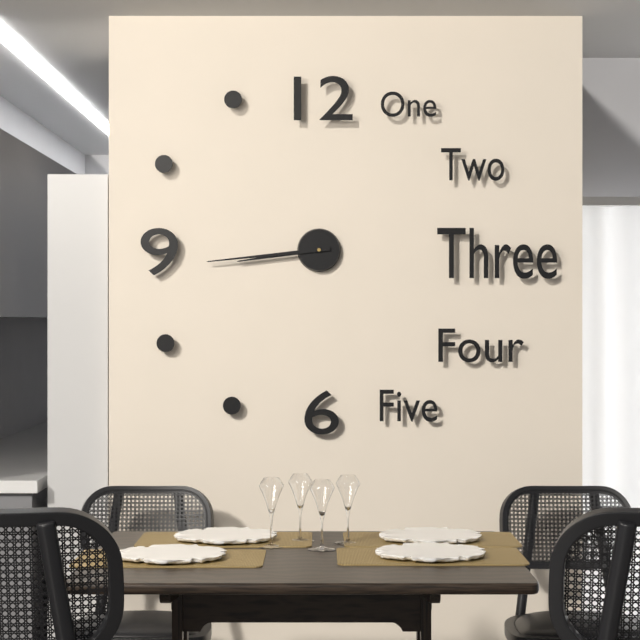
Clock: 8:44
